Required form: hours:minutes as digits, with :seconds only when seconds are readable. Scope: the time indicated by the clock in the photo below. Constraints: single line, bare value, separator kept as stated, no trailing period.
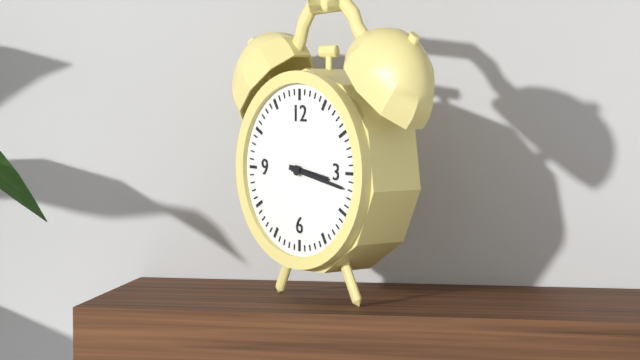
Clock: 3:17
